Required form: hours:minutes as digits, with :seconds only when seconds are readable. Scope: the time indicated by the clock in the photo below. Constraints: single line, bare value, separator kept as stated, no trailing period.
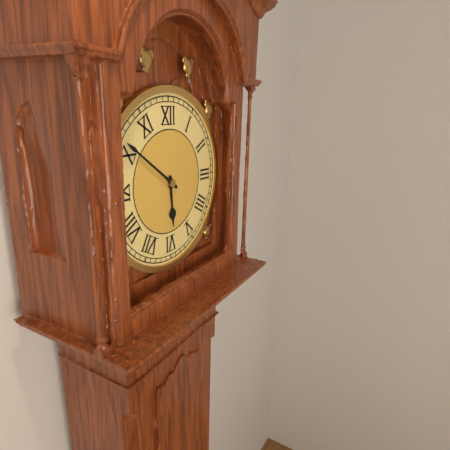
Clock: 5:51
